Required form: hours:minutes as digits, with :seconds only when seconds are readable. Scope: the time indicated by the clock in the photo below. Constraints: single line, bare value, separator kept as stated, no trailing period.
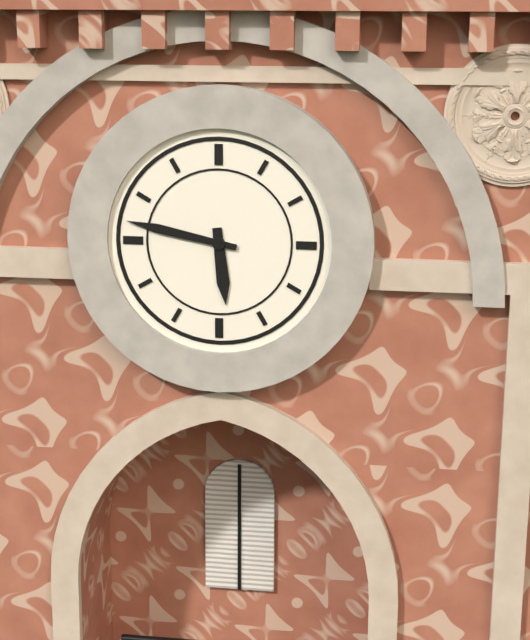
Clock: 5:47
